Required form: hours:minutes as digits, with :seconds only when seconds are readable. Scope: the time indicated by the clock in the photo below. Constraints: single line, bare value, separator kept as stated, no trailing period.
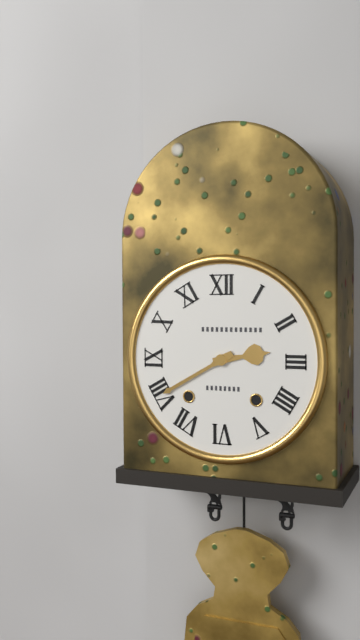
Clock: 2:40
